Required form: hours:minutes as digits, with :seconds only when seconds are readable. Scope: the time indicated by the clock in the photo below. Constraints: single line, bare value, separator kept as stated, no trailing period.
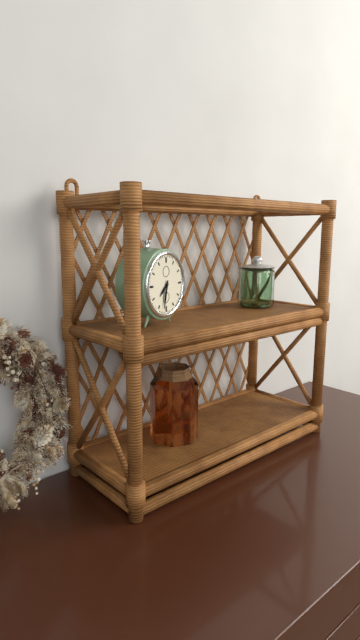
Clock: 7:32
